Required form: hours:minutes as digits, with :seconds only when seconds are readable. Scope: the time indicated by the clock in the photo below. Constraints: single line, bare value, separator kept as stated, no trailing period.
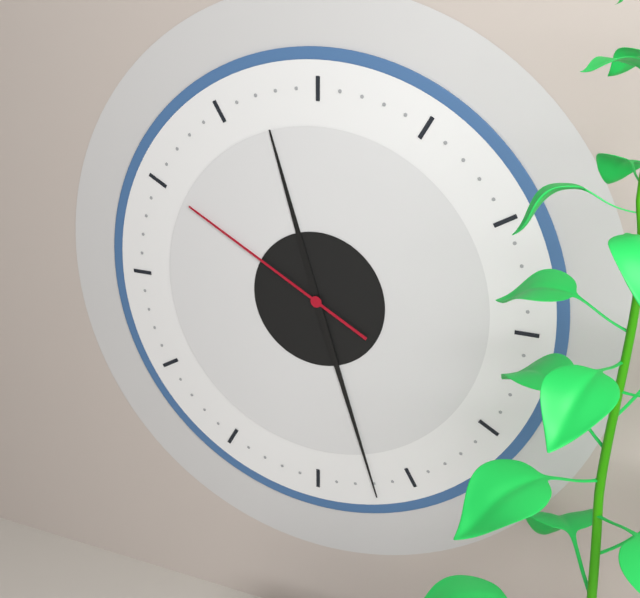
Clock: 11:27:50
